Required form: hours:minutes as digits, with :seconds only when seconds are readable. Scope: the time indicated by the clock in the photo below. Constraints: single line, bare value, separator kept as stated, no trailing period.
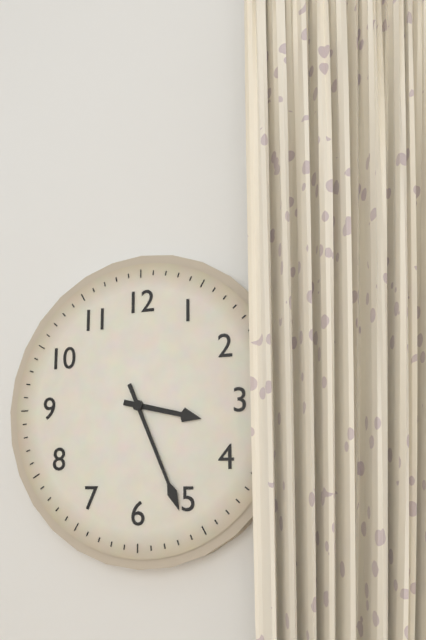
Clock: 3:26
